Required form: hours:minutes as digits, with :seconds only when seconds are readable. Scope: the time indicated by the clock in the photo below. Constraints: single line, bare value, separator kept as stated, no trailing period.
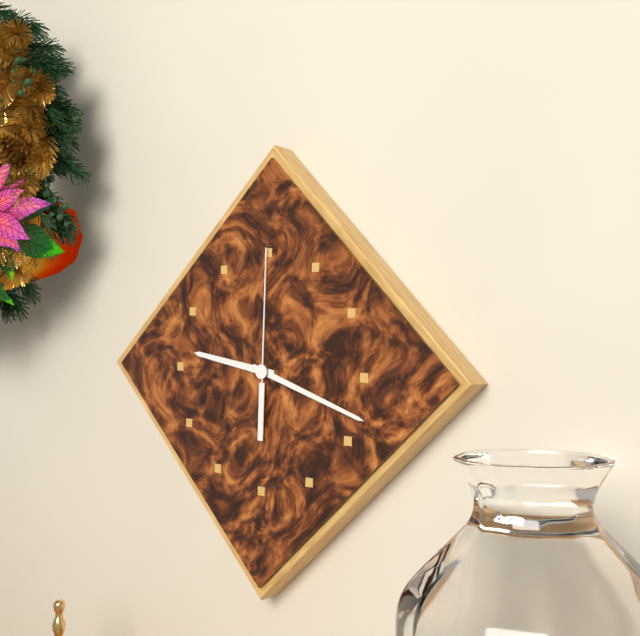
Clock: 9:18:00
